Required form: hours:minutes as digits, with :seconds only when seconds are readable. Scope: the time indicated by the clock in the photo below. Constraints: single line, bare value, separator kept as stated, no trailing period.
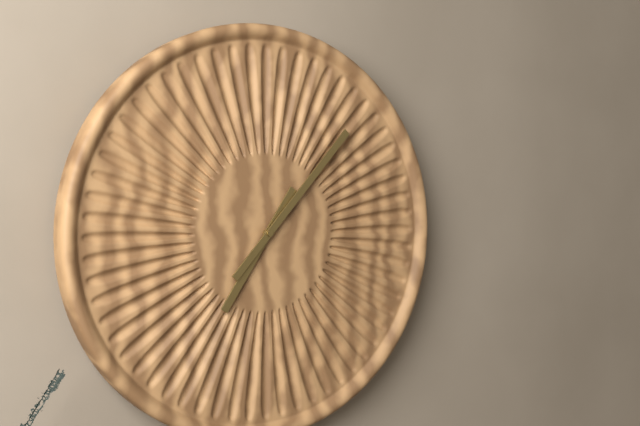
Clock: 7:07
